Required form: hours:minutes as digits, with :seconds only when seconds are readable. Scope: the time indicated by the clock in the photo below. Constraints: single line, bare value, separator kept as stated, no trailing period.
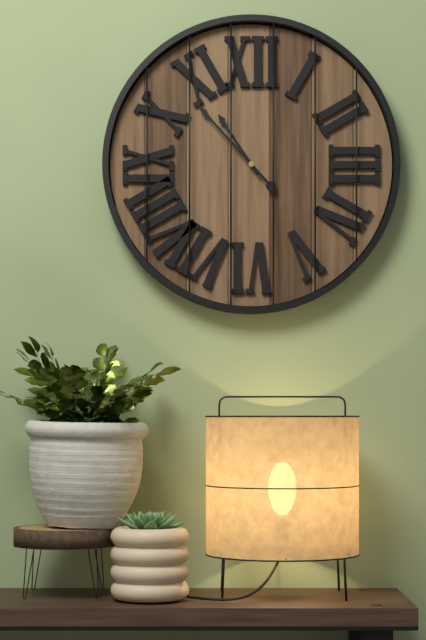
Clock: 10:53
